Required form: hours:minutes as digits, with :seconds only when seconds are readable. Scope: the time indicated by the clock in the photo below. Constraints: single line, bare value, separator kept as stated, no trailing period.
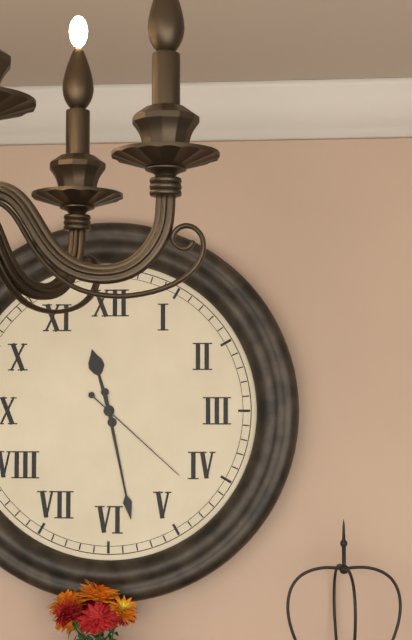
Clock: 11:28:22
